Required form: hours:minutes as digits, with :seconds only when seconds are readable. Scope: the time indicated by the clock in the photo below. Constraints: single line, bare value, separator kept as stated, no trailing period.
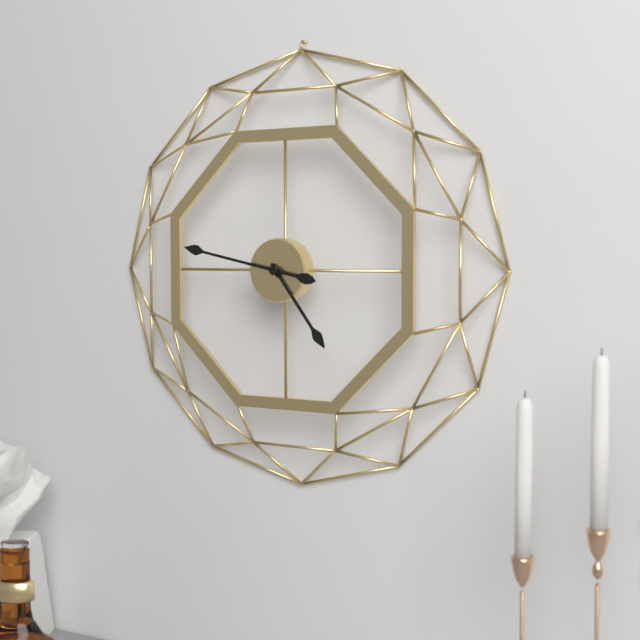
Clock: 4:47
